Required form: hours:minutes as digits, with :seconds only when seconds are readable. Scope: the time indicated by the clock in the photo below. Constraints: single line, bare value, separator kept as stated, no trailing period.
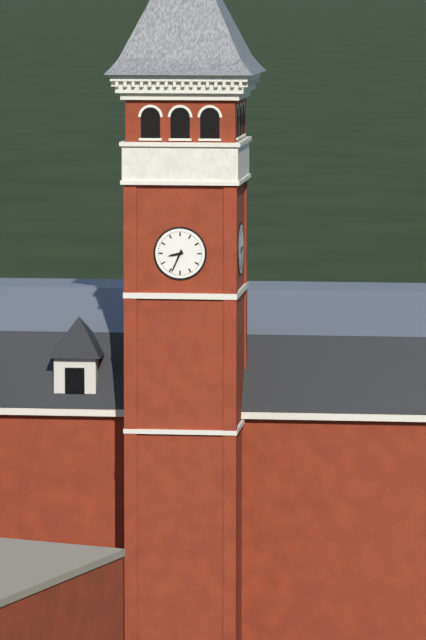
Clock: 8:34
